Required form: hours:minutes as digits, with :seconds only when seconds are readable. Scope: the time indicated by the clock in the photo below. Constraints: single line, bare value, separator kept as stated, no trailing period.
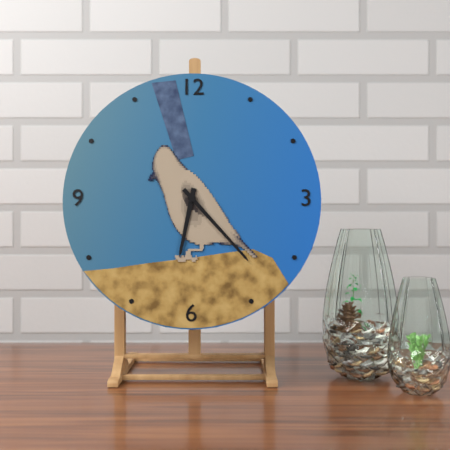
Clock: 6:23
